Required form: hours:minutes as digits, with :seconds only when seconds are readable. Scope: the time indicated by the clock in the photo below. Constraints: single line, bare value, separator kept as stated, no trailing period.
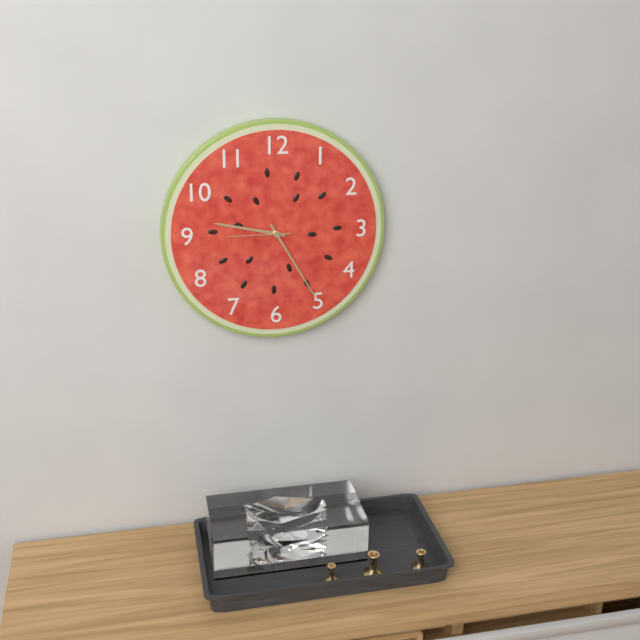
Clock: 9:25:45
